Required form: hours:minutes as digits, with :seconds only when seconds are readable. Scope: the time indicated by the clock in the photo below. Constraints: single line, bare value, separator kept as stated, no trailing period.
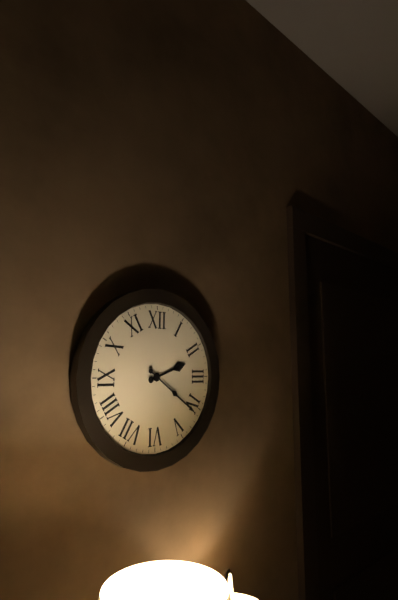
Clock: 2:21
